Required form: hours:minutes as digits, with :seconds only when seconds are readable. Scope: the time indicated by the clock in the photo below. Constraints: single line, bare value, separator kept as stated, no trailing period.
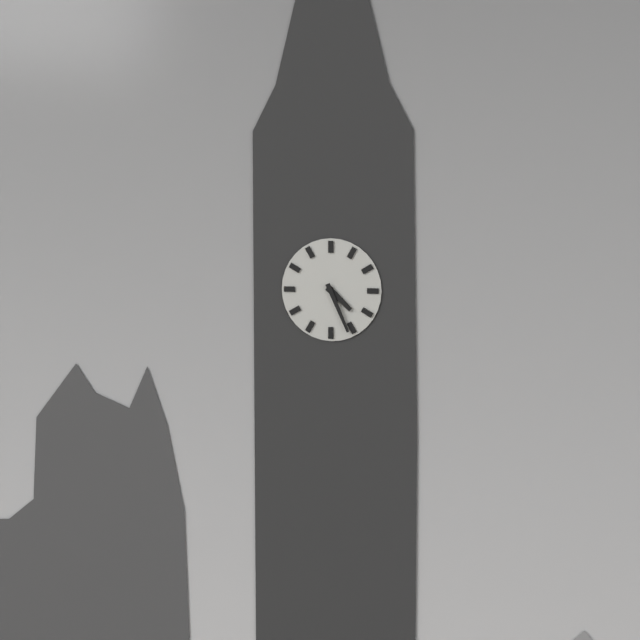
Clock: 4:26
